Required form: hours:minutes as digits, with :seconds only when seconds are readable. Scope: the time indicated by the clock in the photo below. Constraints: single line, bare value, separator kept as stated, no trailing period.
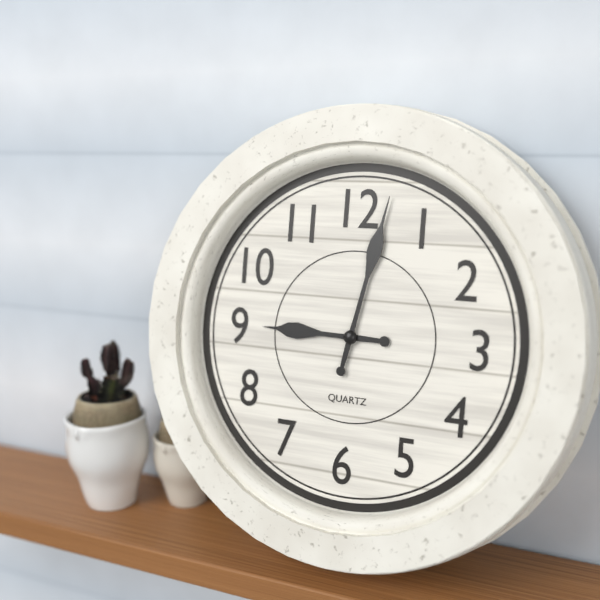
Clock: 9:02
